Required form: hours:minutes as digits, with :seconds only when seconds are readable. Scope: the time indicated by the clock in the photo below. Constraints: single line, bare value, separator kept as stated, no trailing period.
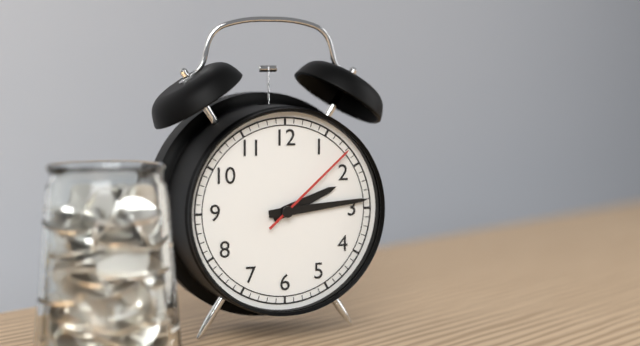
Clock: 2:14:08
